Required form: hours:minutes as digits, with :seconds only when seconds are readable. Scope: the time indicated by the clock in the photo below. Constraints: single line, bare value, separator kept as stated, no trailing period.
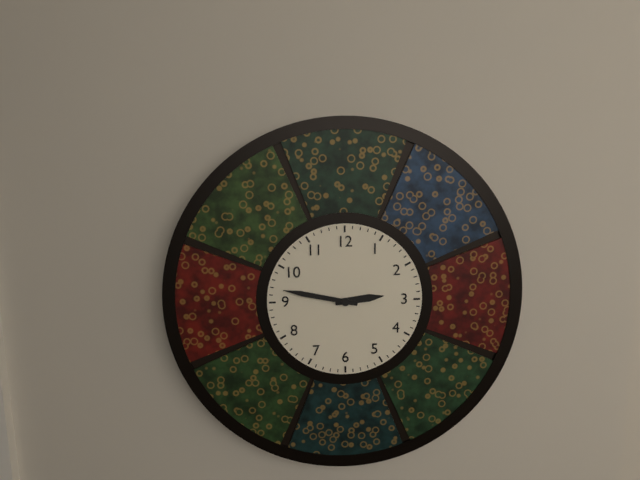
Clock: 2:47
